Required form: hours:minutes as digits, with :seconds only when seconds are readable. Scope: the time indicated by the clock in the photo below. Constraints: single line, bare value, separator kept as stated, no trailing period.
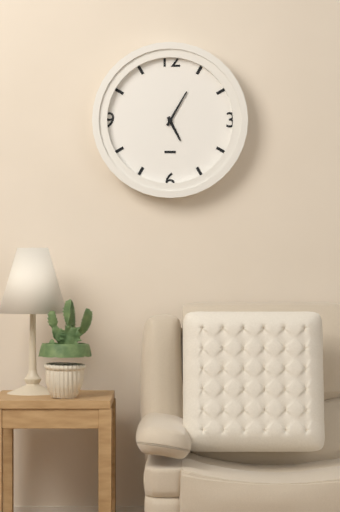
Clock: 5:05
